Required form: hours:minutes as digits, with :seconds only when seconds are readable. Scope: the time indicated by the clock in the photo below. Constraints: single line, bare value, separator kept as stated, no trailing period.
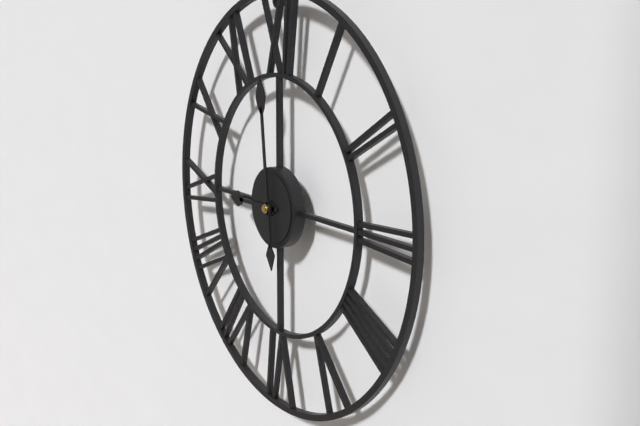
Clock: 8:59
